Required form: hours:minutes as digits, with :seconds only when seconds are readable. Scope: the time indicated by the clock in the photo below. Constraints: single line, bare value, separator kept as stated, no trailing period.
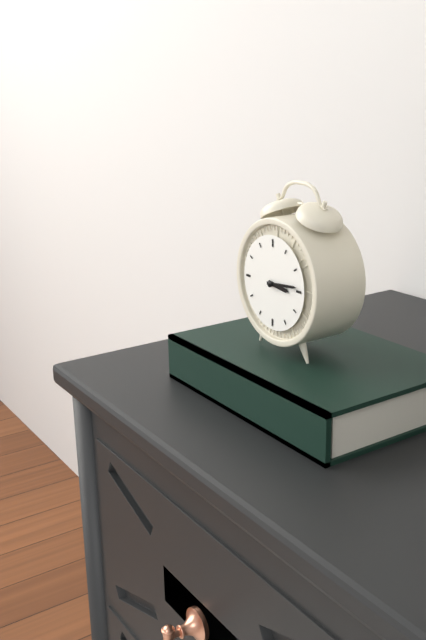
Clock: 3:14
